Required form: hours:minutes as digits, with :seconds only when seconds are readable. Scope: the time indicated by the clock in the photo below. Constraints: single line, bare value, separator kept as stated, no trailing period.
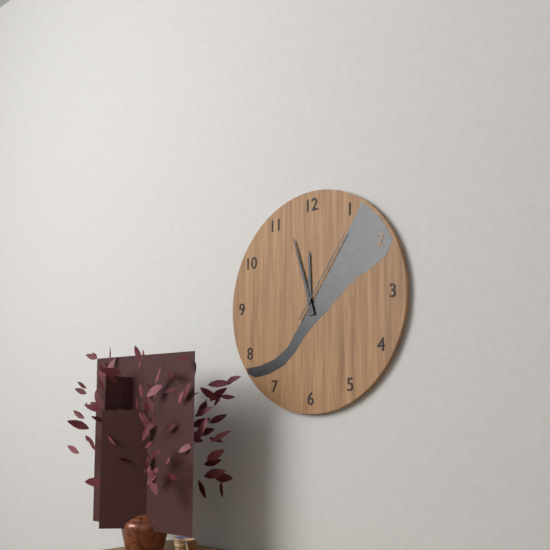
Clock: 11:57:06
